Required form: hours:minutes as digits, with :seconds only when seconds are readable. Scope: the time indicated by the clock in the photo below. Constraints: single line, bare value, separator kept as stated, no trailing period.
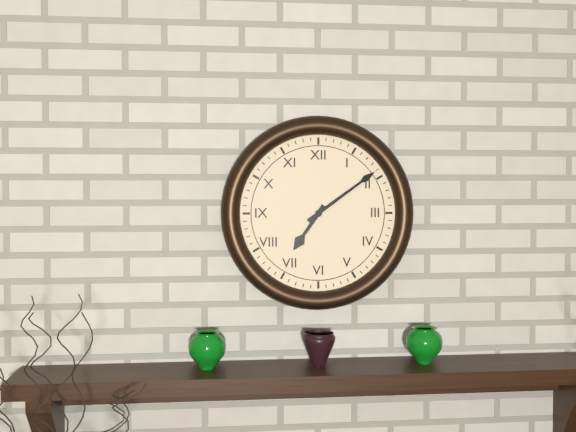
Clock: 7:09
